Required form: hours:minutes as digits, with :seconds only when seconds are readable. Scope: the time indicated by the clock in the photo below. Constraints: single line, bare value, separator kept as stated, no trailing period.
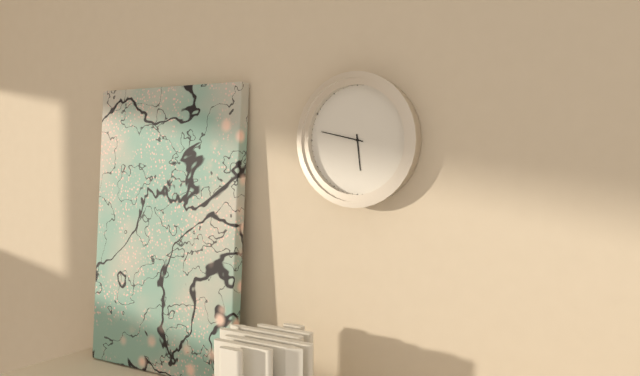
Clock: 5:47
